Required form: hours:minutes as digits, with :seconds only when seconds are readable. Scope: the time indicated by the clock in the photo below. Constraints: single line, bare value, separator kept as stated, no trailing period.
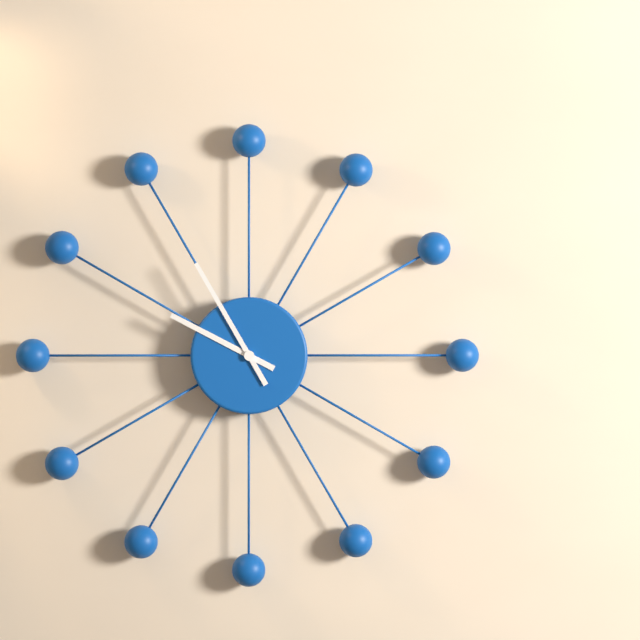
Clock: 9:55
